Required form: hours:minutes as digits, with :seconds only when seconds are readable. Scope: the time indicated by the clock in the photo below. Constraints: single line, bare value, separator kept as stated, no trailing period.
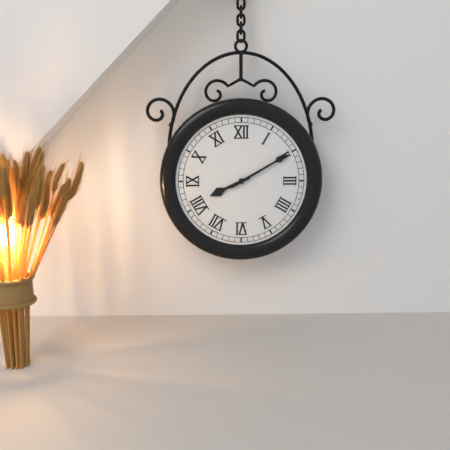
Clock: 8:10
